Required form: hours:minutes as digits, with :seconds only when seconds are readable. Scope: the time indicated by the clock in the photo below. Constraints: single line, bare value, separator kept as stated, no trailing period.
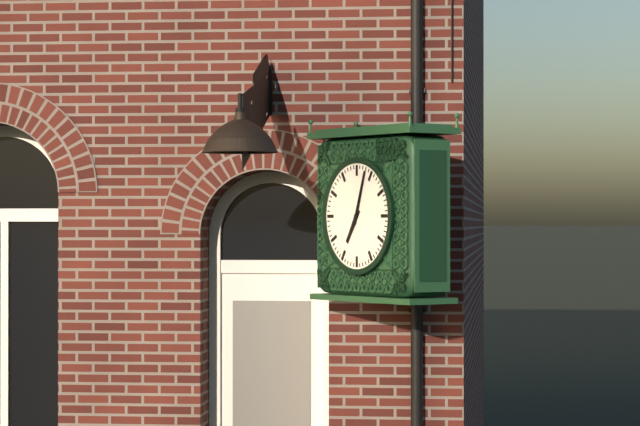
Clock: 7:03:03
